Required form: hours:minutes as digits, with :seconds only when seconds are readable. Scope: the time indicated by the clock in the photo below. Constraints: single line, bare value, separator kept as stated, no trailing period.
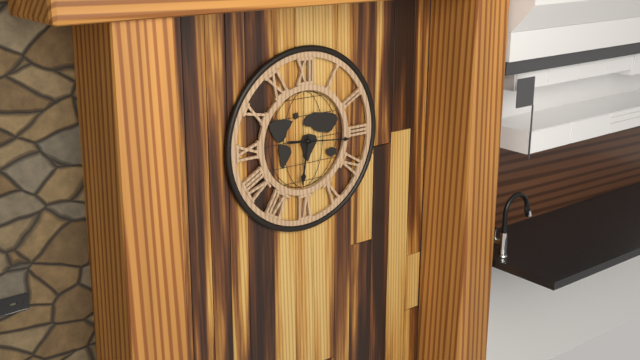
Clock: 6:16
